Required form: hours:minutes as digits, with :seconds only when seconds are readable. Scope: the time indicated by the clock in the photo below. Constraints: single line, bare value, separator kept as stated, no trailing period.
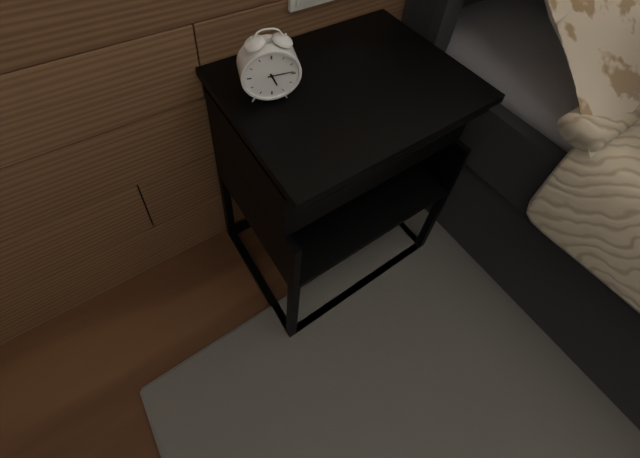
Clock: 5:14
